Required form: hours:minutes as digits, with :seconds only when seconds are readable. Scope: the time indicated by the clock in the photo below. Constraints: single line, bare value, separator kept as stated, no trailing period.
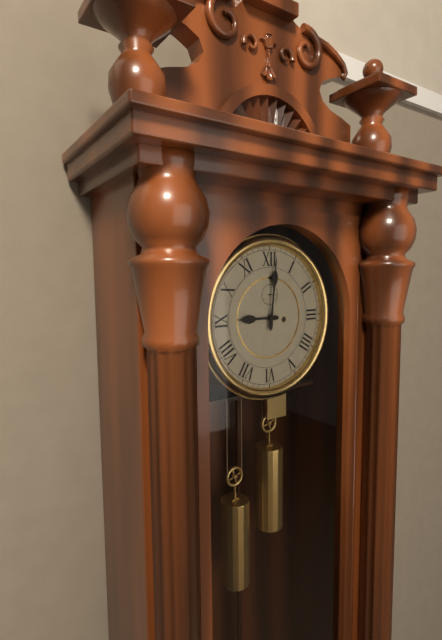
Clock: 9:01
